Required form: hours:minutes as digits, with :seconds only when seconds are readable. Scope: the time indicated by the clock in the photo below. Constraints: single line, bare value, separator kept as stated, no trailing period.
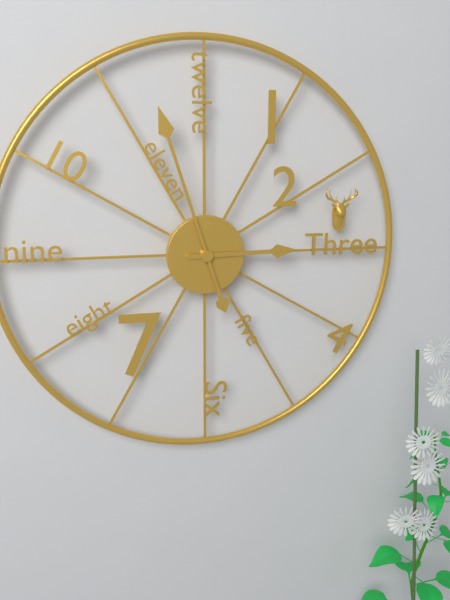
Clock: 2:57
